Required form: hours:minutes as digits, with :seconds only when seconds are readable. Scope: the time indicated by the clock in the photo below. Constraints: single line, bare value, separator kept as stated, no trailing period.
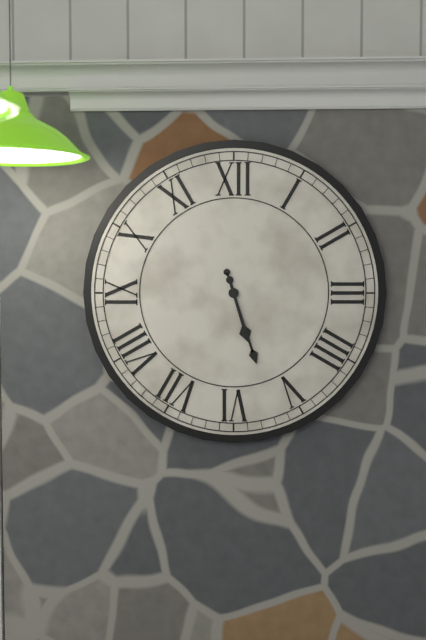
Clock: 5:27
